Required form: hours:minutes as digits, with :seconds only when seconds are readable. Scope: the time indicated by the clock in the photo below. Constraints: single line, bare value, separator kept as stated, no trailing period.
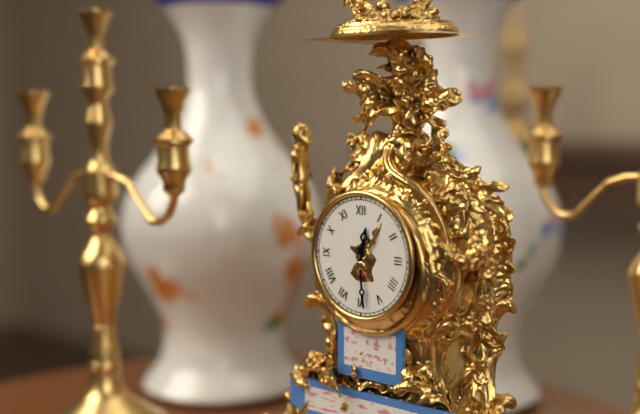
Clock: 12:29
